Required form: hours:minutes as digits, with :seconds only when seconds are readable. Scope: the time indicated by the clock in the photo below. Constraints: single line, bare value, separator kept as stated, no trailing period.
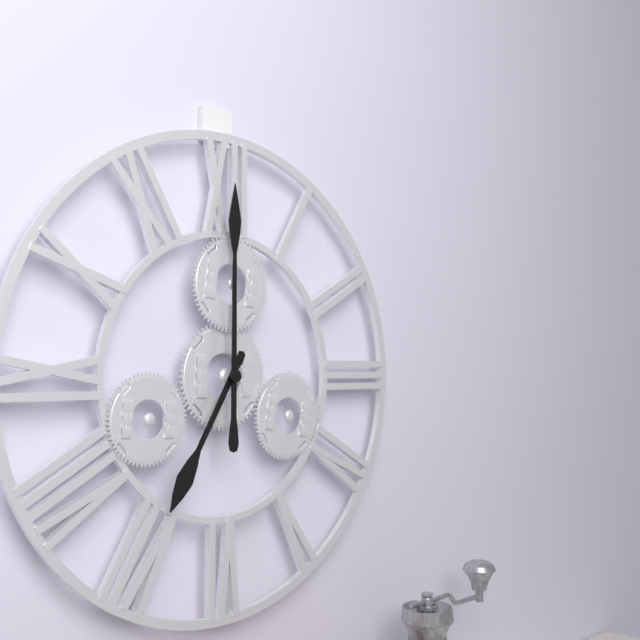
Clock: 7:00
